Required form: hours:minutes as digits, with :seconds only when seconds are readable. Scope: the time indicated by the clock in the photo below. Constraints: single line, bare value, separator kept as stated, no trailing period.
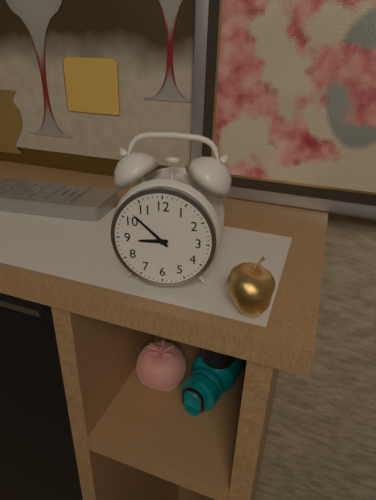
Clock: 8:52
